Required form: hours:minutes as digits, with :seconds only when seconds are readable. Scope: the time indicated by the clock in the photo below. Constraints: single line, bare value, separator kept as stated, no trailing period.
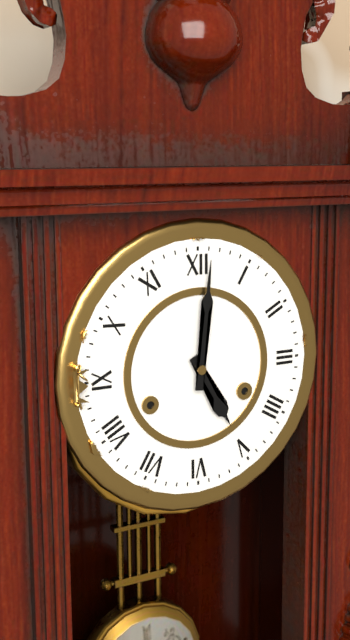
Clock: 5:01
